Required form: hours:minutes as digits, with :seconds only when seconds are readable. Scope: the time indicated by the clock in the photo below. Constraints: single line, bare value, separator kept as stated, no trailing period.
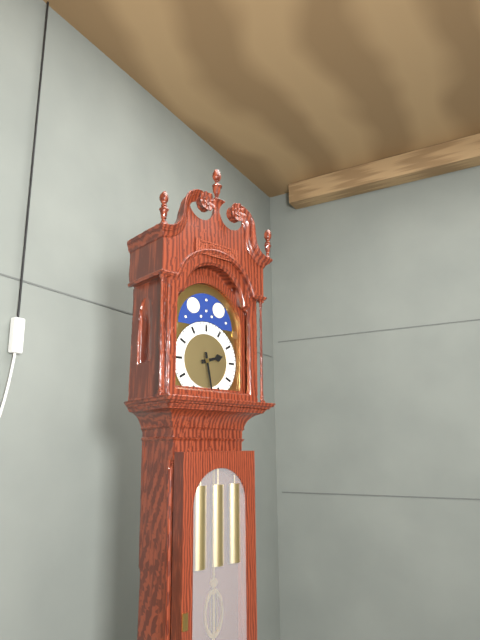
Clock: 2:28
